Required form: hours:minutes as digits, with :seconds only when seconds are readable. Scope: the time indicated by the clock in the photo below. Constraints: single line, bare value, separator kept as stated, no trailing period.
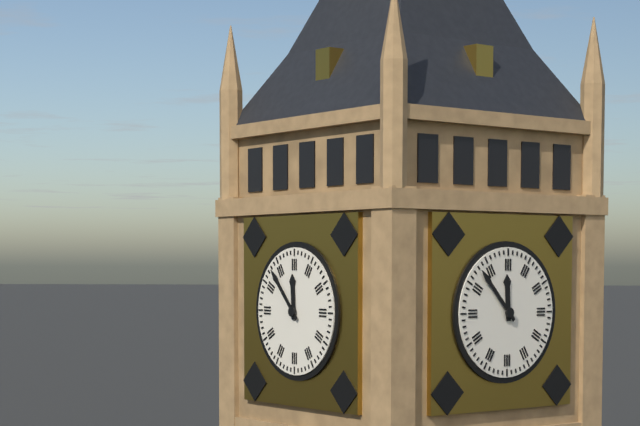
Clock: 11:53
